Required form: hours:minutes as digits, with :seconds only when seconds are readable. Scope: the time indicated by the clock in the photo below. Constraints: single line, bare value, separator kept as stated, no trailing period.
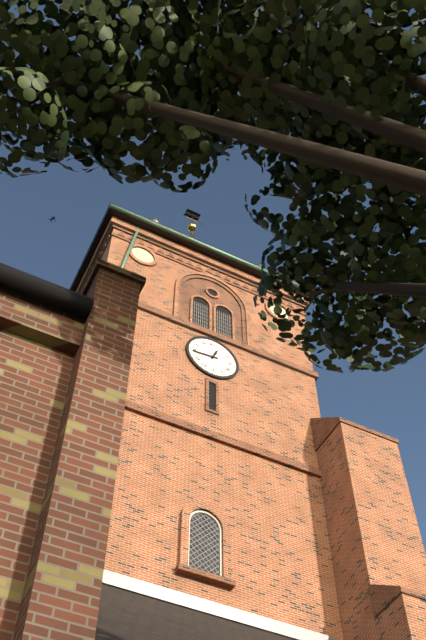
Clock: 12:44
